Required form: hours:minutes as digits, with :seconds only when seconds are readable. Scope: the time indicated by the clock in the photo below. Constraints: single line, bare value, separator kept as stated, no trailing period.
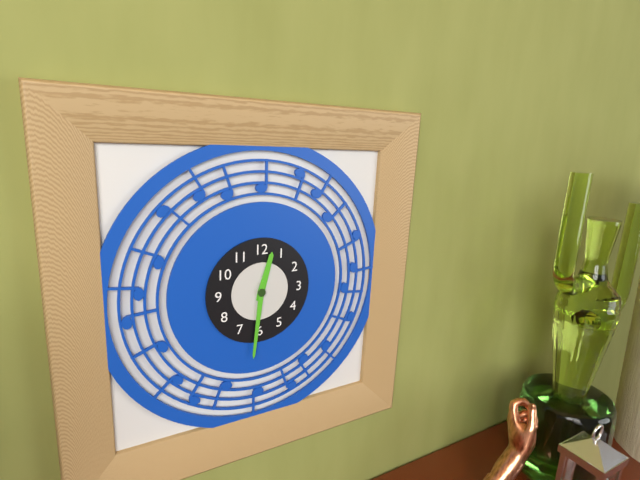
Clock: 12:31
